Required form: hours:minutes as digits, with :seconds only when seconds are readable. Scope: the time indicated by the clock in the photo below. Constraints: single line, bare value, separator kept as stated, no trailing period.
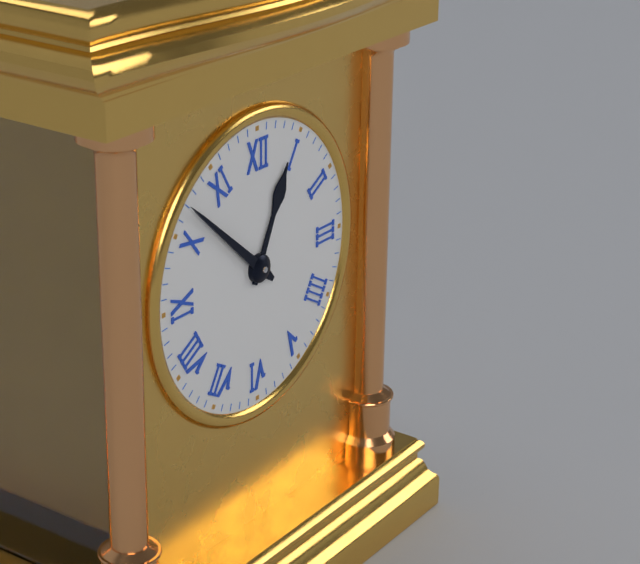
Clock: 12:52
